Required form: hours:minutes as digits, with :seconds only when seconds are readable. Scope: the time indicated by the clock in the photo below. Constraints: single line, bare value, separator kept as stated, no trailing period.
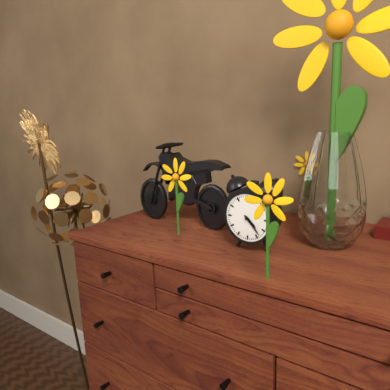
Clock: 4:23
